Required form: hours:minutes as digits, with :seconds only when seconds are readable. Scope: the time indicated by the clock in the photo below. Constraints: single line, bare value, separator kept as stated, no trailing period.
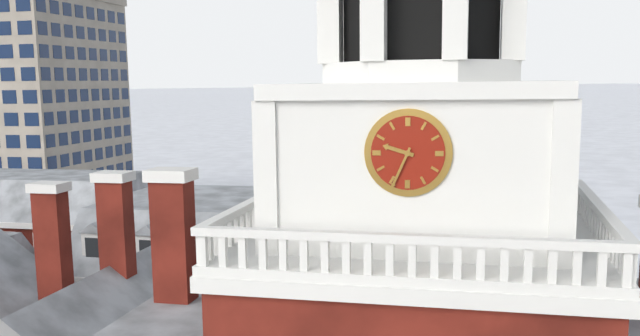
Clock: 9:34
